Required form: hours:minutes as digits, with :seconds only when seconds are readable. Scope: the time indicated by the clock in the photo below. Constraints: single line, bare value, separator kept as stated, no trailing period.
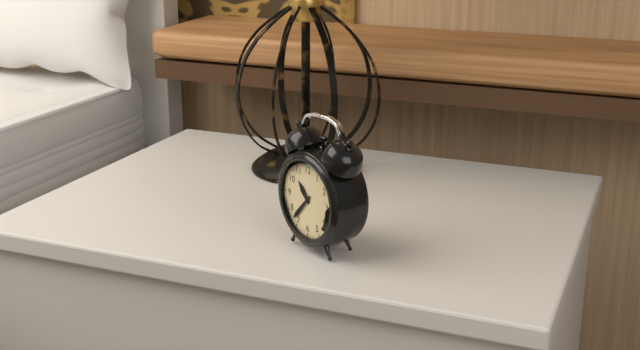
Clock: 10:37
